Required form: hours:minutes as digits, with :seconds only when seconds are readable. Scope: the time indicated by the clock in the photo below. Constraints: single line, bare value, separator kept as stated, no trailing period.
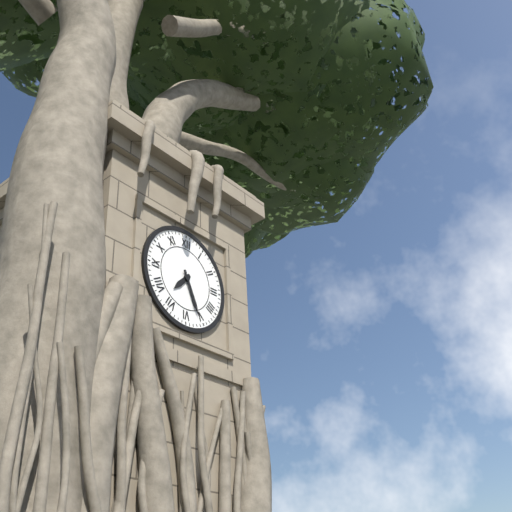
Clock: 7:26
